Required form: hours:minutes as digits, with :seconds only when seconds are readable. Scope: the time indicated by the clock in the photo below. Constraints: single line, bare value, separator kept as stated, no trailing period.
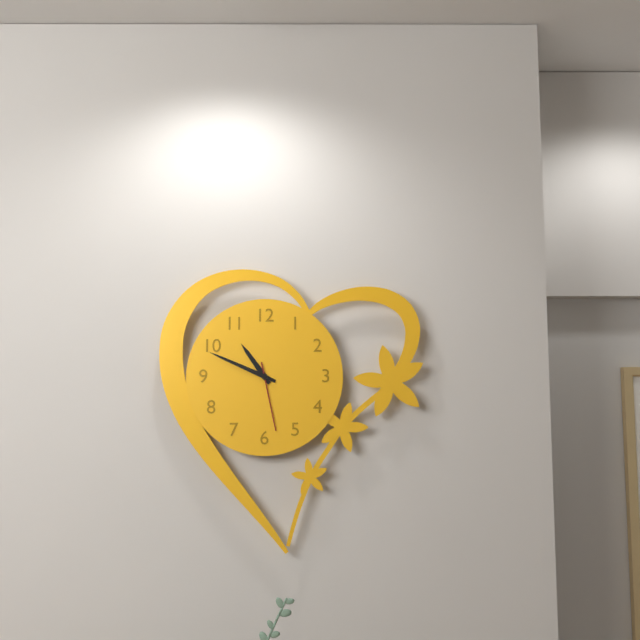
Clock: 10:49:28
